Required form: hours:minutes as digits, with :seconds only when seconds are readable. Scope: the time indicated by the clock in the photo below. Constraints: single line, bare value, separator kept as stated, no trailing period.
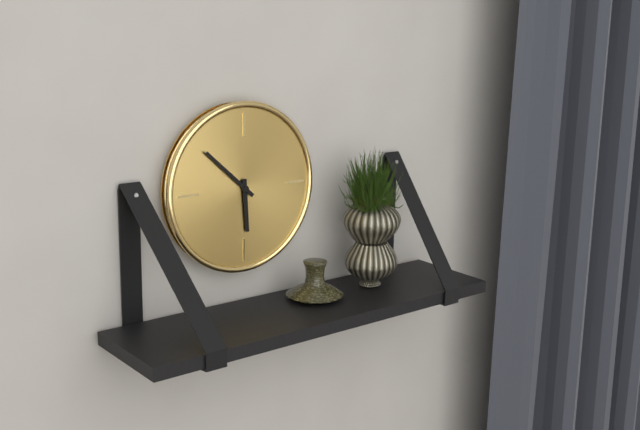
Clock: 5:52
